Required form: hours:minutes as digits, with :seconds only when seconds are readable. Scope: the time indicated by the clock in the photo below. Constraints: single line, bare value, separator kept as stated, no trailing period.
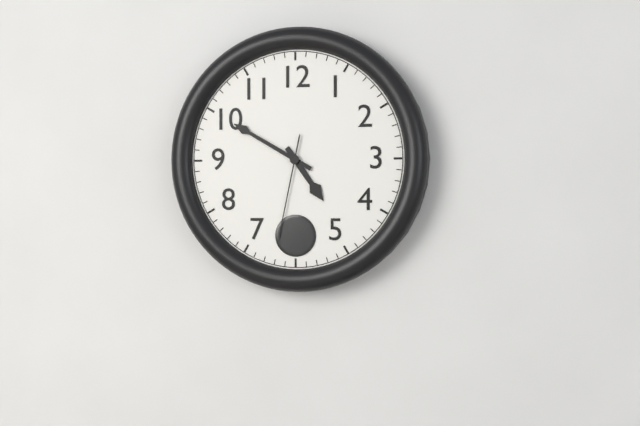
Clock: 4:50:32
